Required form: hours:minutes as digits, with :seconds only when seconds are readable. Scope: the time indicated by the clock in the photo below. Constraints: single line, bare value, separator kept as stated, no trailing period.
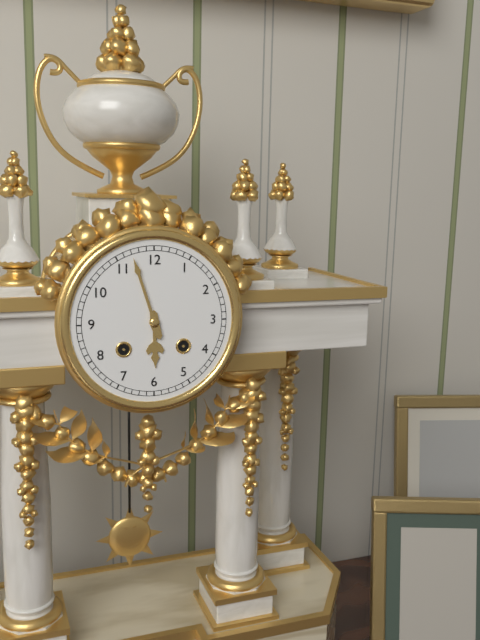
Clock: 5:57
